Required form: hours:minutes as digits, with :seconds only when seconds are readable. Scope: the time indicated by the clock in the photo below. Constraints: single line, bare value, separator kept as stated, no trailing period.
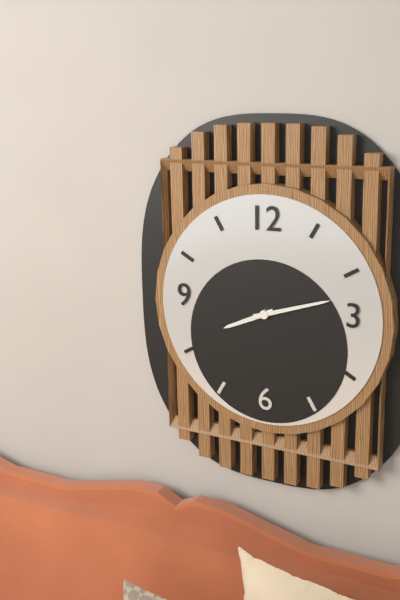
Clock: 8:12
